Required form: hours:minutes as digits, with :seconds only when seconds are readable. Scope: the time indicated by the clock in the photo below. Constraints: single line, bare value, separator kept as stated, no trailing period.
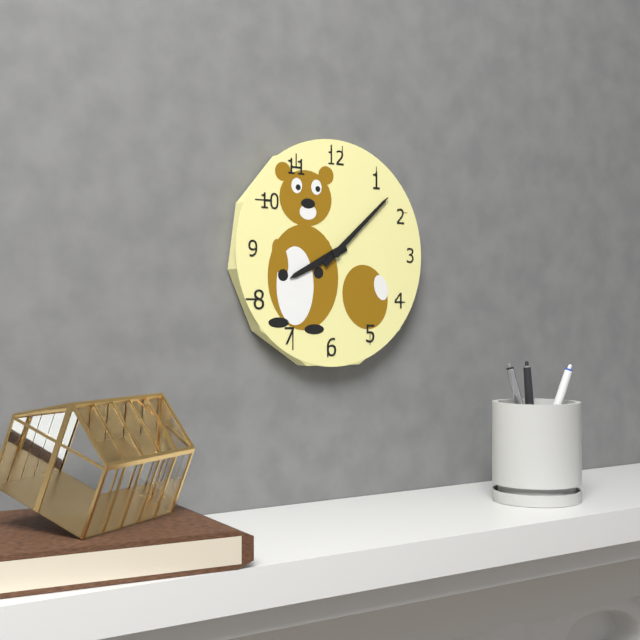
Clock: 8:08
